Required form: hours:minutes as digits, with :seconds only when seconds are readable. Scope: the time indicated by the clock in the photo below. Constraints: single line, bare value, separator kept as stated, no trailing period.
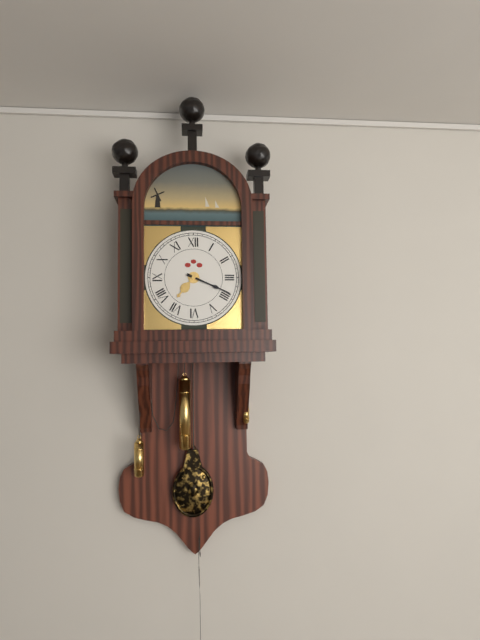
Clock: 7:19
